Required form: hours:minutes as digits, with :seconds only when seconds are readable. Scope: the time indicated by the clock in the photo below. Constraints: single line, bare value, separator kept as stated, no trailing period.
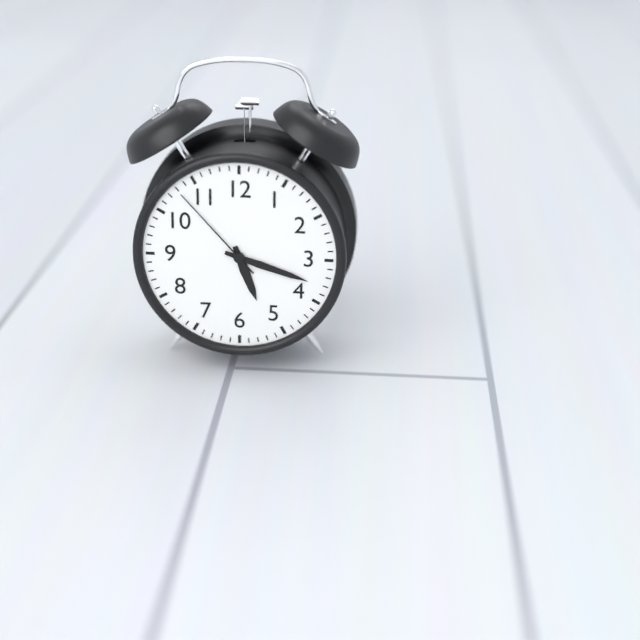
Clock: 5:18:53
